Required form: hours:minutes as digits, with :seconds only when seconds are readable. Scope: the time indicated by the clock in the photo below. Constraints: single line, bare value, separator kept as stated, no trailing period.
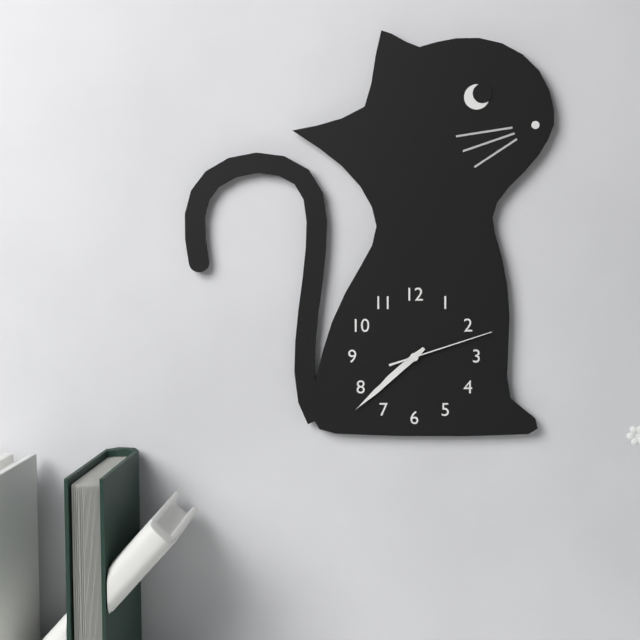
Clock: 7:38:12
